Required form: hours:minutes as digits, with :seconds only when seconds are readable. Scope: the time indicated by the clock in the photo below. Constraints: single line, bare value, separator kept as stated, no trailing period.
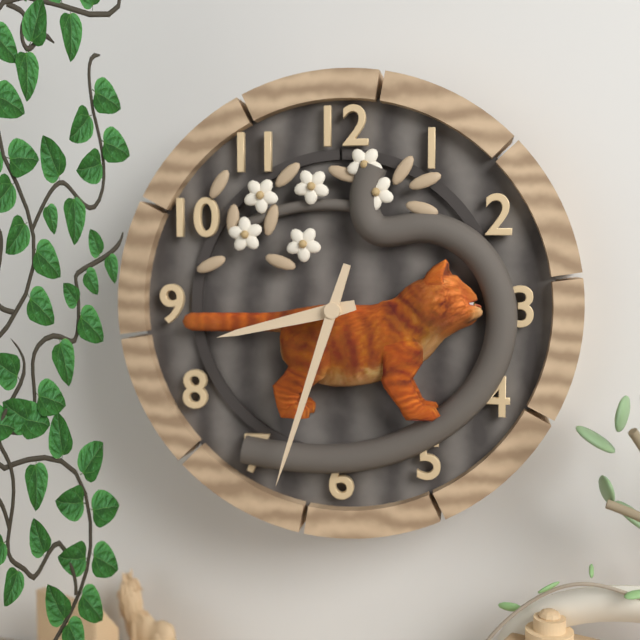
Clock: 8:33
